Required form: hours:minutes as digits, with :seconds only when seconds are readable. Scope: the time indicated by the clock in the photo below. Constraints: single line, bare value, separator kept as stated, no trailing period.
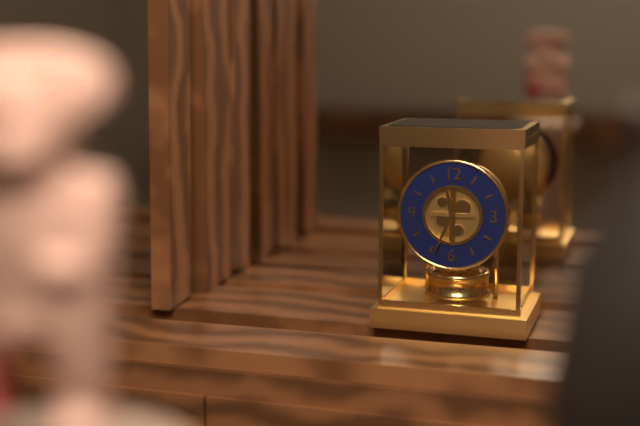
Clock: 11:34
